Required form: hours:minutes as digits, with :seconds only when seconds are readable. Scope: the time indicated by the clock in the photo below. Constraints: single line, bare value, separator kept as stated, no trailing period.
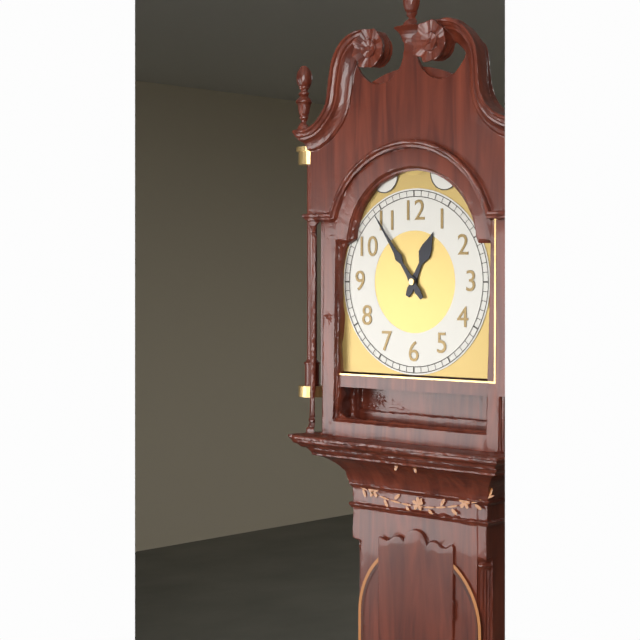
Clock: 12:54
